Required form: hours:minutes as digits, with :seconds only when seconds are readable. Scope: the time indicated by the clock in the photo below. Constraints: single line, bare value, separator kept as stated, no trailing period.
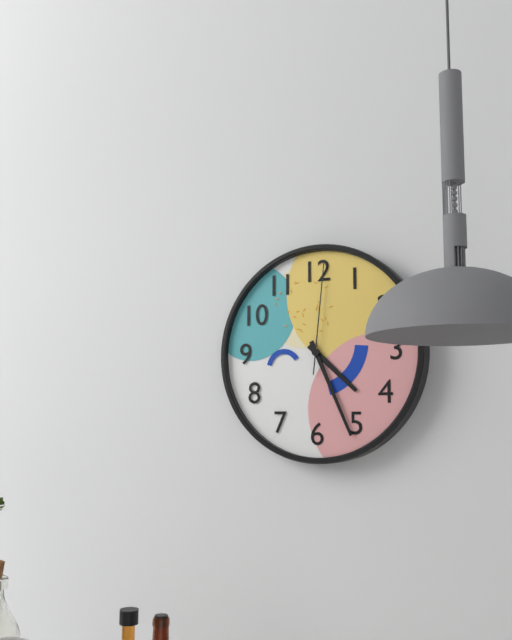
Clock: 4:26:01
